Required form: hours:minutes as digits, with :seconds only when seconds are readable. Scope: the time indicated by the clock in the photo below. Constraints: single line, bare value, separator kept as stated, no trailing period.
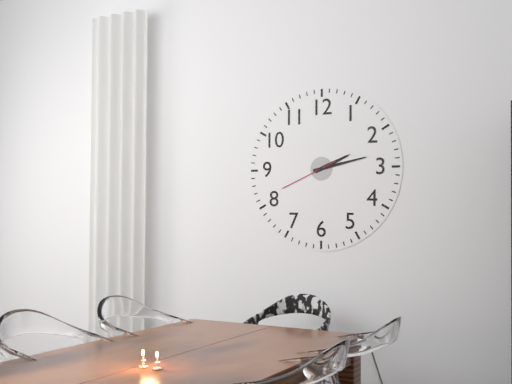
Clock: 2:13:41
